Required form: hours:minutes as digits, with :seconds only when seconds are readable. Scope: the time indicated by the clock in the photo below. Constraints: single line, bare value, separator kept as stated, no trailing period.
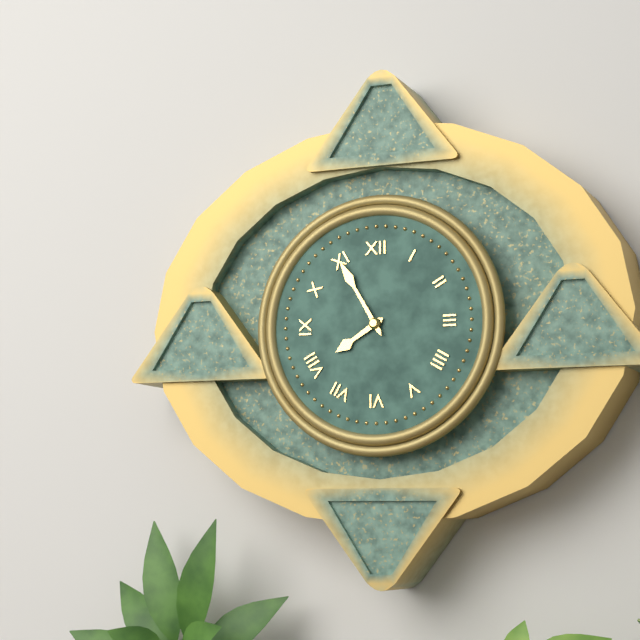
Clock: 7:55
